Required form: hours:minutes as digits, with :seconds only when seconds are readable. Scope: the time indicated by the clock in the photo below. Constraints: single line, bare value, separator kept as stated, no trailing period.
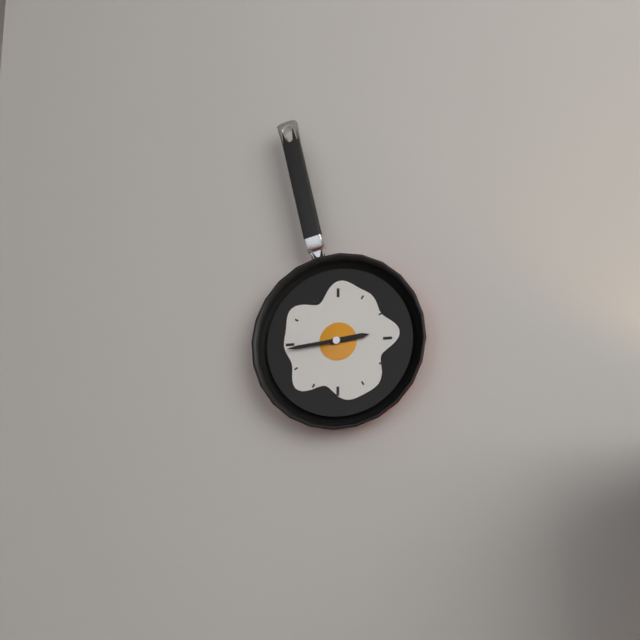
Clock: 2:44
